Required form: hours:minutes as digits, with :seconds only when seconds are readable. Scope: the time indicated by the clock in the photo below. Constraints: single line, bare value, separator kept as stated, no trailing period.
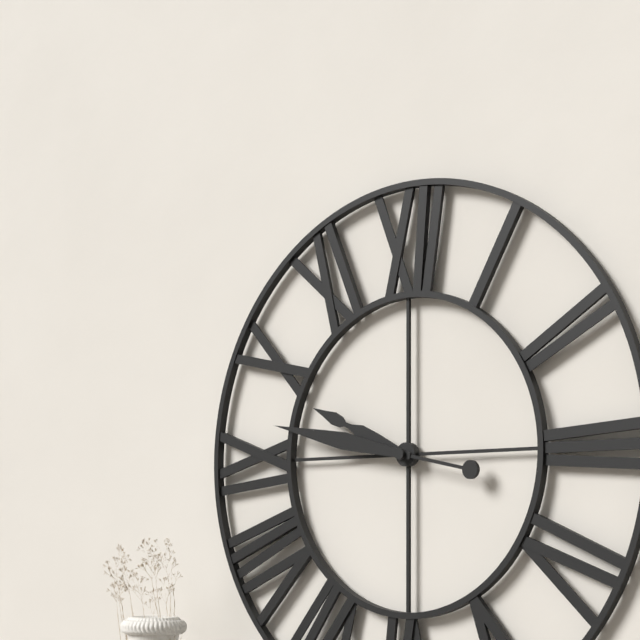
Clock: 9:47
